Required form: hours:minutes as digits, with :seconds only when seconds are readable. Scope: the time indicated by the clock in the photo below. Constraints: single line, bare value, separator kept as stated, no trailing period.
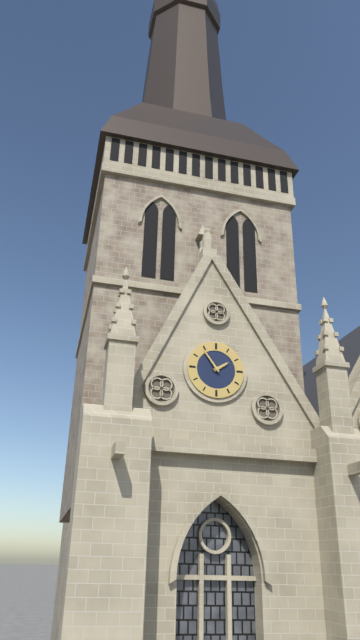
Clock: 1:54
